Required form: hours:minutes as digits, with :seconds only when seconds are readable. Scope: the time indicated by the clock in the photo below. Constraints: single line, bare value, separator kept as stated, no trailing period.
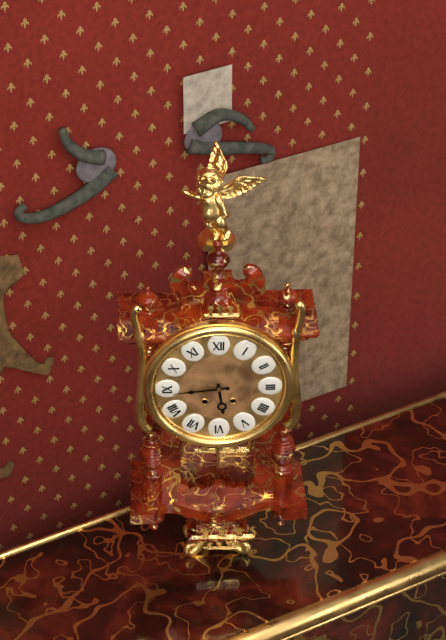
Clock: 5:44
